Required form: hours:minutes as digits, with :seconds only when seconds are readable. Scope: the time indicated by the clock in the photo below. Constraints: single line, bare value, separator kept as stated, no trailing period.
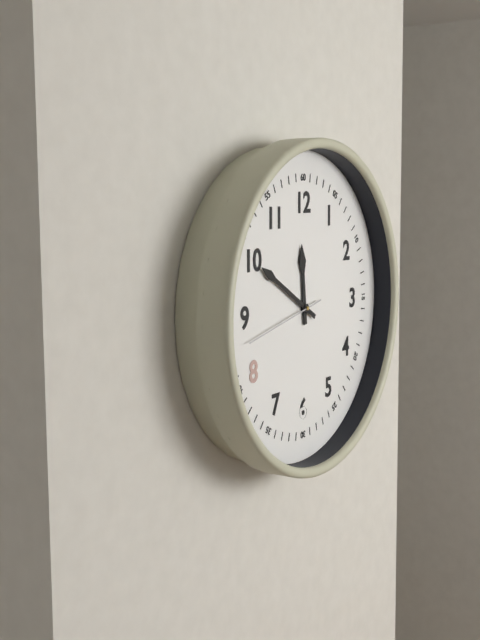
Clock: 11:50:43
